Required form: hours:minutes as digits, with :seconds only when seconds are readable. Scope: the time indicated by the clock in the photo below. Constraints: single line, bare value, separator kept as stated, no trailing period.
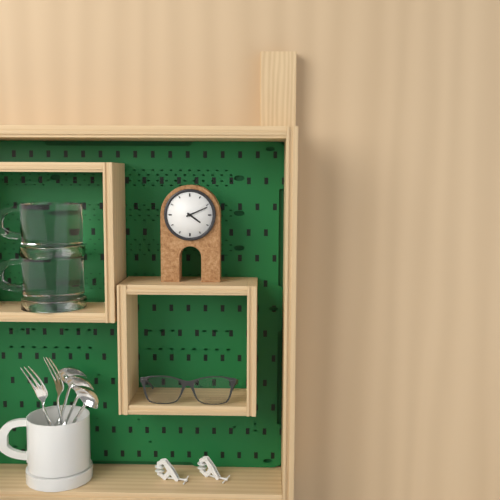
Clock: 4:11
